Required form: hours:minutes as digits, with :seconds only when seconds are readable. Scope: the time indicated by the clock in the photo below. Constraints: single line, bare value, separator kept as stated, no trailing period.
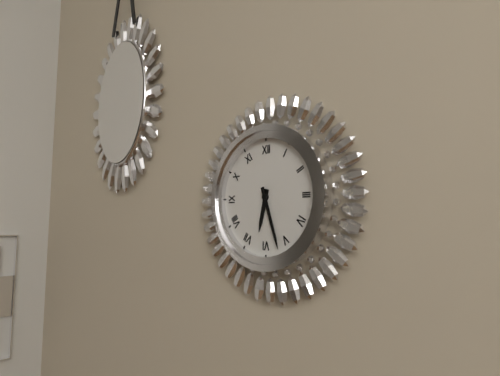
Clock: 6:27
